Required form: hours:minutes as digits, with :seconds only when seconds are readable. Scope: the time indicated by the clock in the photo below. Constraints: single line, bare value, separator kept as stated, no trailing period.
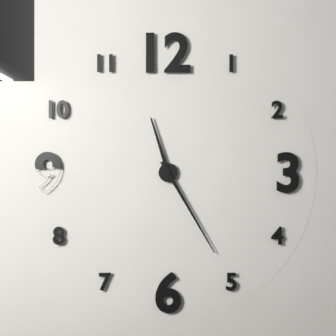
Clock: 11:25
